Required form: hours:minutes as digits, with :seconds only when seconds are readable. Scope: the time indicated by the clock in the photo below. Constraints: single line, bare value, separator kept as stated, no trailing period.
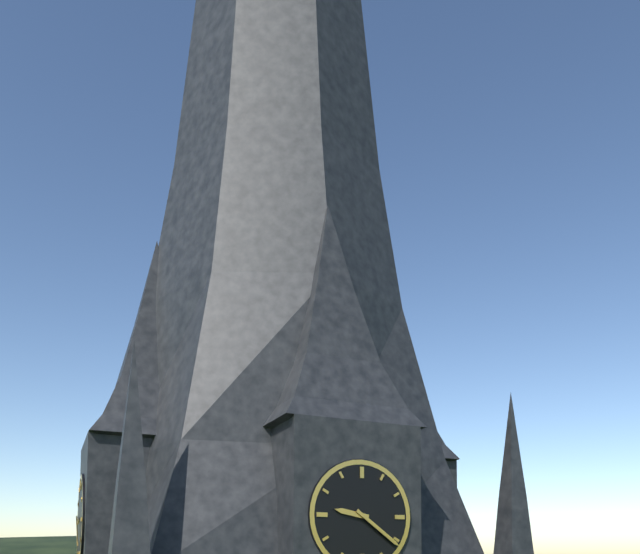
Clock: 9:21
